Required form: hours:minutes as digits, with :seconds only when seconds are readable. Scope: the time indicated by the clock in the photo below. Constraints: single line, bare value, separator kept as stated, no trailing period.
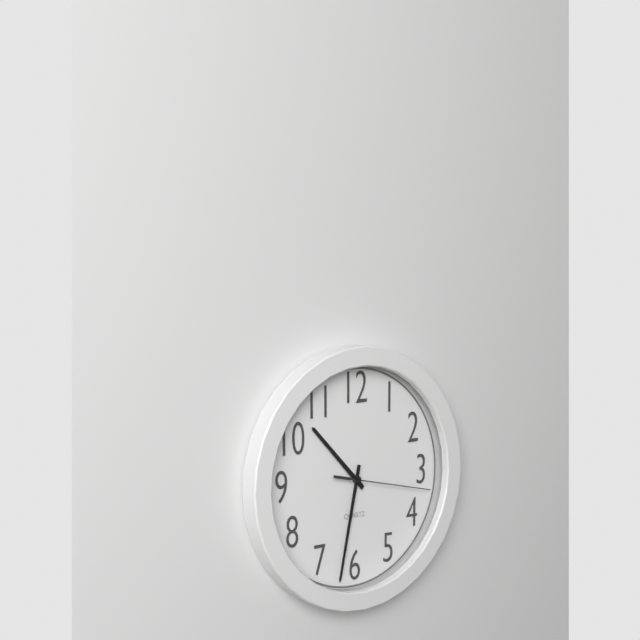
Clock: 10:32:17
